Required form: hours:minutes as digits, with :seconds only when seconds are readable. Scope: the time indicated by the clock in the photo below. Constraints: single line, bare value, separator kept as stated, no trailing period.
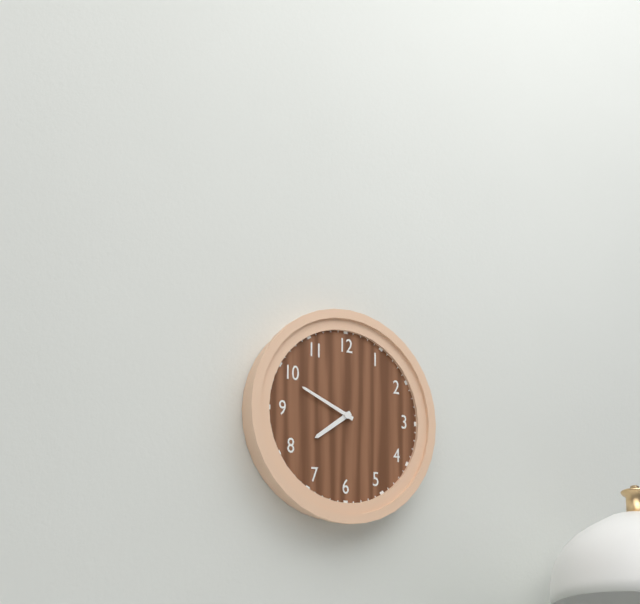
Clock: 7:49
